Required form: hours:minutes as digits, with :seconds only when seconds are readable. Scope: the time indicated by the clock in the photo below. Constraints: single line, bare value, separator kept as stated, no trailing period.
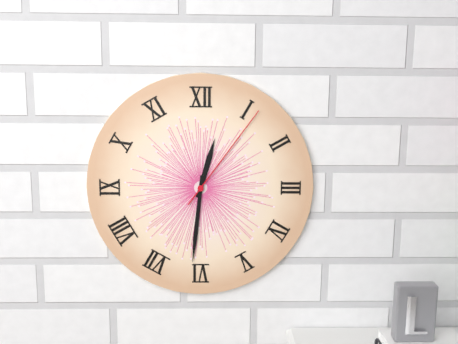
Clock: 12:31:06
